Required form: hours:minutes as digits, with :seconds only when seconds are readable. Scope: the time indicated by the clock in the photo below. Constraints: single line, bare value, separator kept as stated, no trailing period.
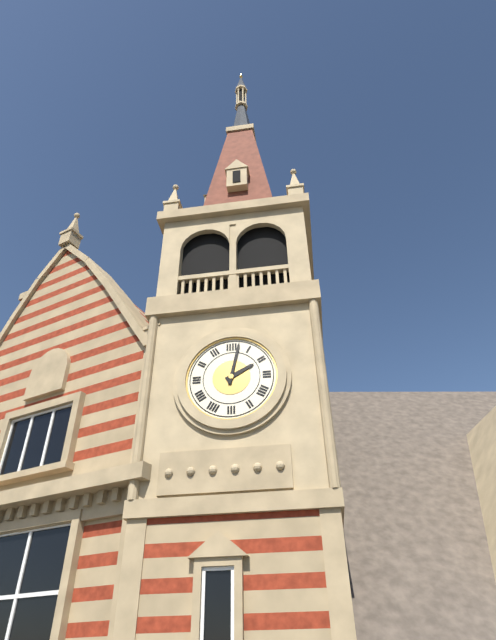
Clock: 2:02
